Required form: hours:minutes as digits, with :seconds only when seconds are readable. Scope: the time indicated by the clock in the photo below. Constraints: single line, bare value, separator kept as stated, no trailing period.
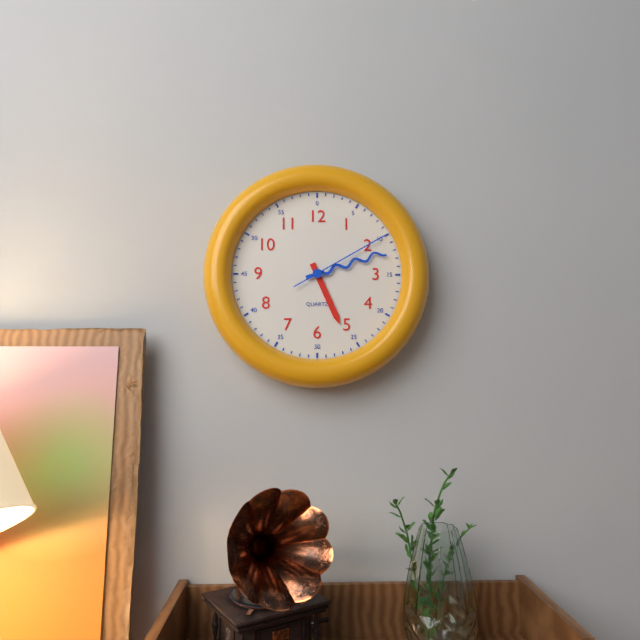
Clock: 5:12:10
